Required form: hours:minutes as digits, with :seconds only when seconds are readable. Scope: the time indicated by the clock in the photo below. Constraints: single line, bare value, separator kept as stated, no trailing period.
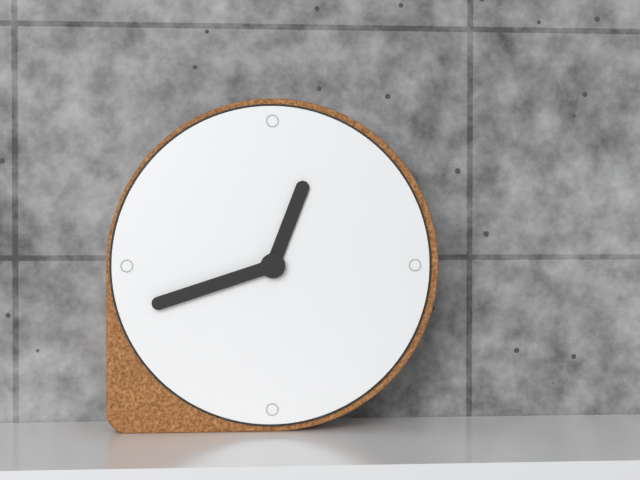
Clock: 12:42
